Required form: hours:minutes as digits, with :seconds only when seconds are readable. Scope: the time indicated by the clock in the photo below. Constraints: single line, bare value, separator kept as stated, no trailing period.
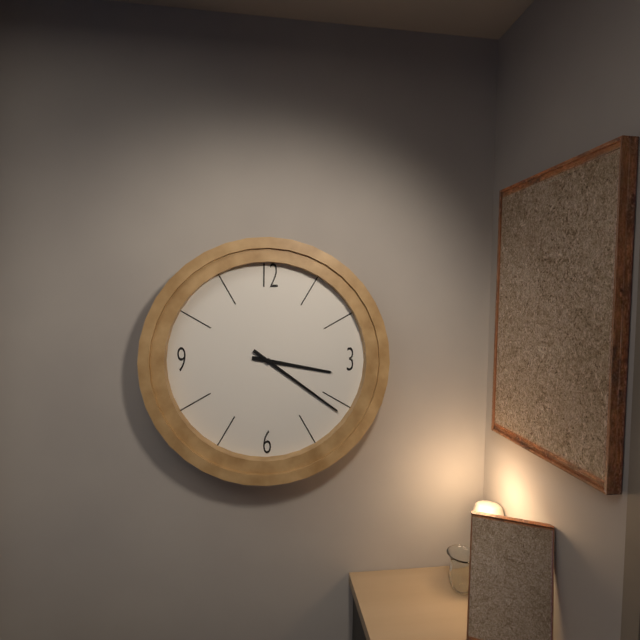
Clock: 3:21
